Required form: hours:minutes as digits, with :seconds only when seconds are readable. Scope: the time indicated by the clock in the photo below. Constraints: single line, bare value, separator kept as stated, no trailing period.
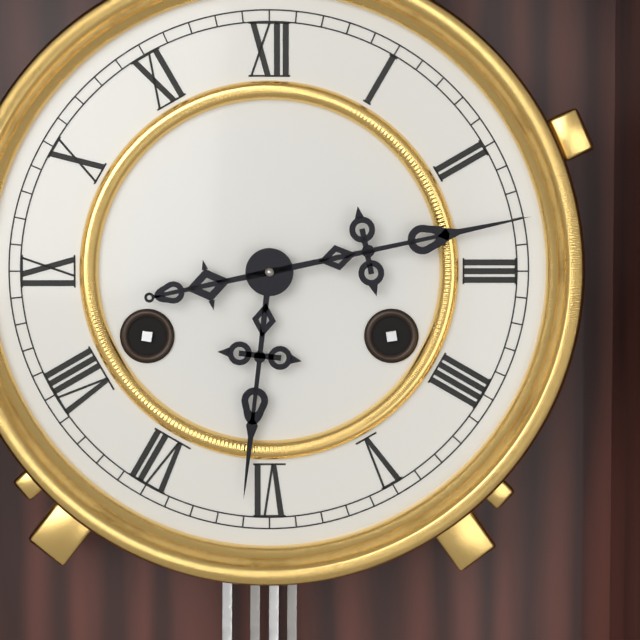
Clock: 6:13
